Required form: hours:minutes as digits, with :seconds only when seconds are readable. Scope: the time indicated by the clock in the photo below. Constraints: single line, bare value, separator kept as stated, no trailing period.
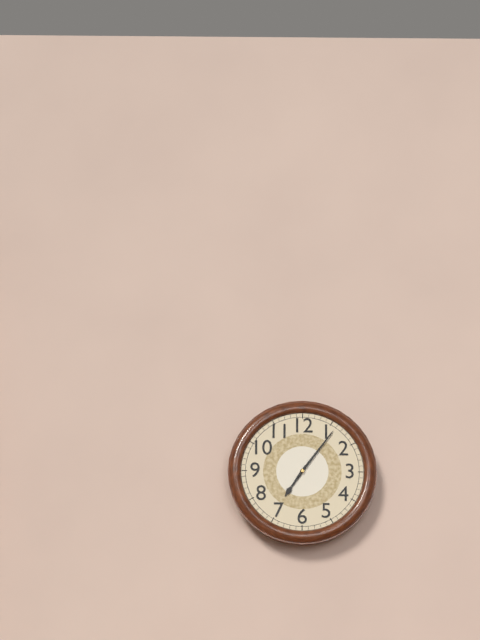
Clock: 7:06
